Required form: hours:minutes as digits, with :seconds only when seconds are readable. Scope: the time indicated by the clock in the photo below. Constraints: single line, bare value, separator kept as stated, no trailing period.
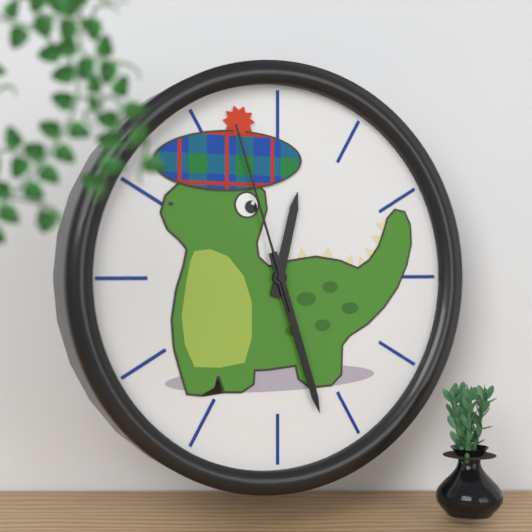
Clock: 12:27:57
